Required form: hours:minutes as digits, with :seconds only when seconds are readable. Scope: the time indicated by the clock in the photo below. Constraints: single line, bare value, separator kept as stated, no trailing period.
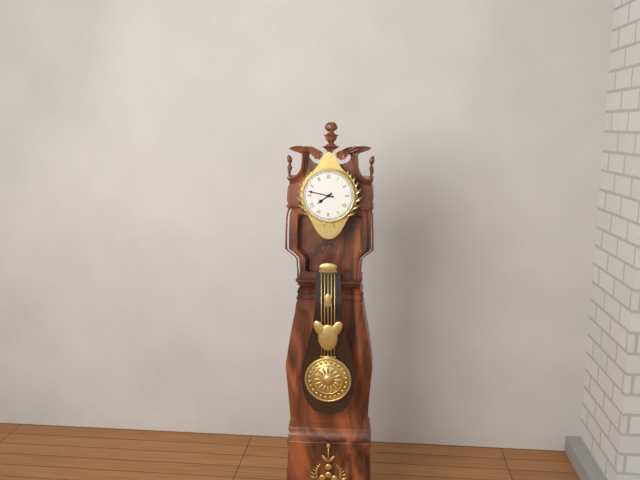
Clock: 7:47
